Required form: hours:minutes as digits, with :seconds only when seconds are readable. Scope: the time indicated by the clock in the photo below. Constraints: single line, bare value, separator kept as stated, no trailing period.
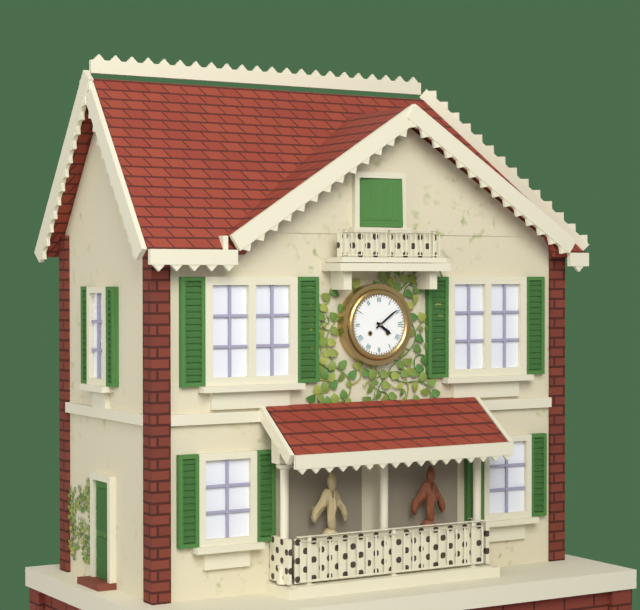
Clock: 4:09
